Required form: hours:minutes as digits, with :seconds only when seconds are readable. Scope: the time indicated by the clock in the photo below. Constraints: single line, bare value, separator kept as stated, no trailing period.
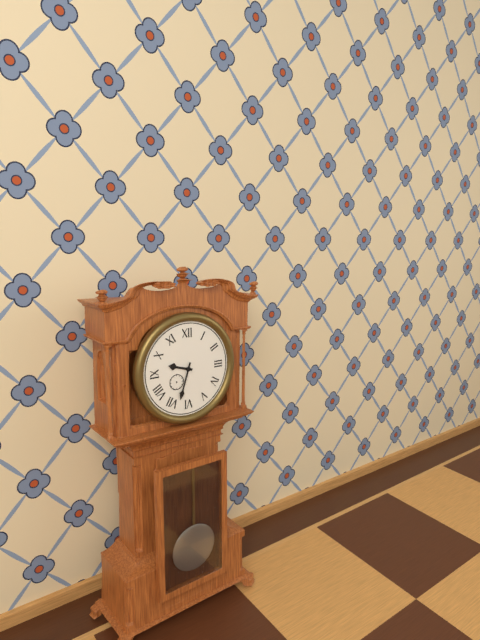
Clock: 9:33
